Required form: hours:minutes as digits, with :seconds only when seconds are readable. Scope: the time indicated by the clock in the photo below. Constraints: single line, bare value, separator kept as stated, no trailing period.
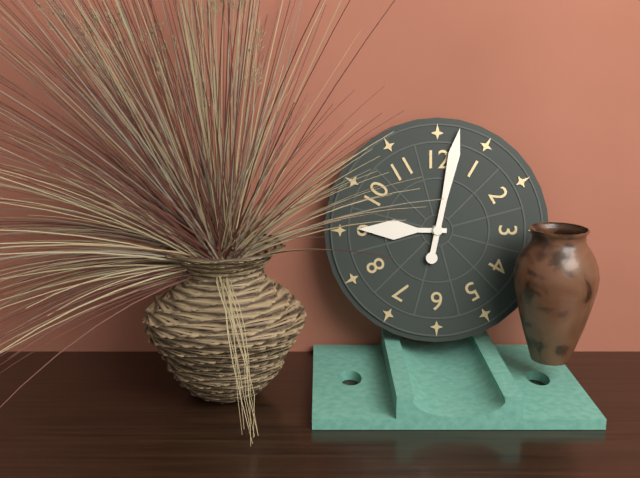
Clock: 9:02
